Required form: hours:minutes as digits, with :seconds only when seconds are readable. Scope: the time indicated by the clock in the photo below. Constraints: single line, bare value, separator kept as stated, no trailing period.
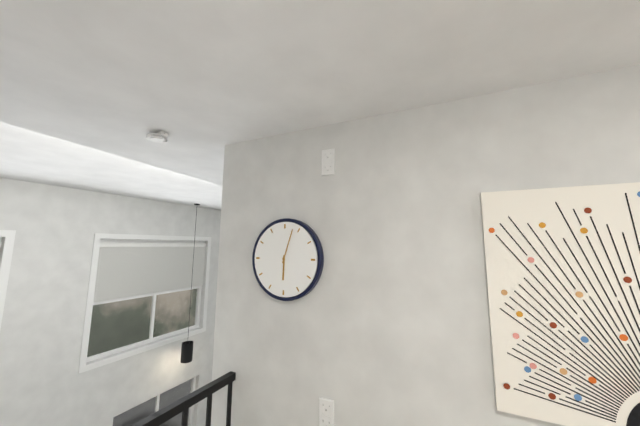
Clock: 6:03
